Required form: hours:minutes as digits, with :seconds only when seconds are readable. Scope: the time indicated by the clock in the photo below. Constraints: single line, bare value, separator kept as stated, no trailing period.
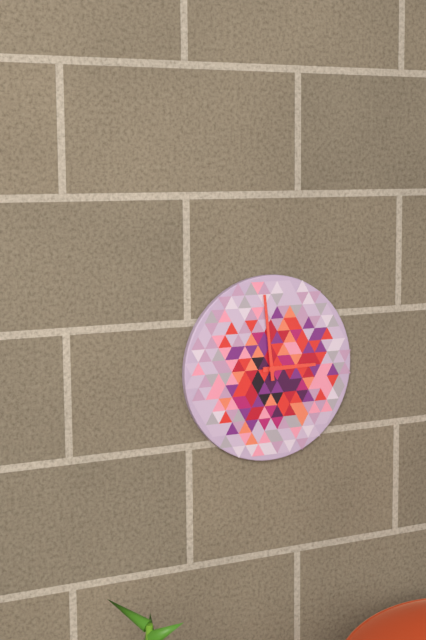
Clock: 2:59
